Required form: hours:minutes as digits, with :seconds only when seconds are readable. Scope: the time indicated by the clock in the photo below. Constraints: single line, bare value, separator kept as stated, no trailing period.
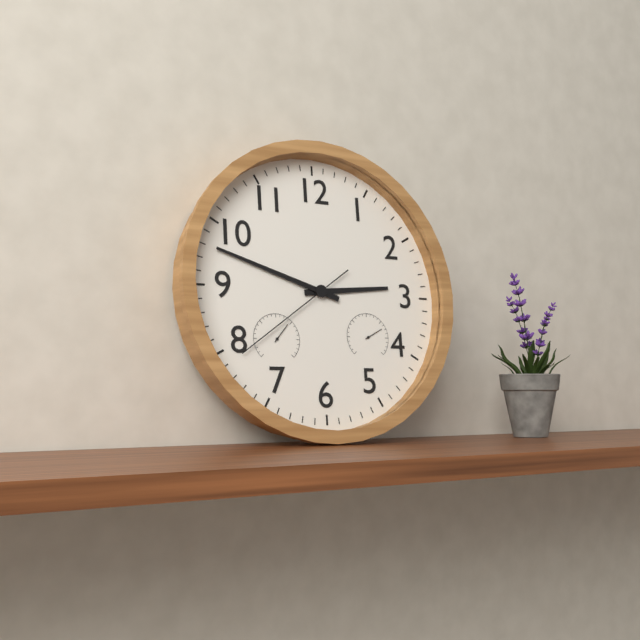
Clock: 2:48:39
